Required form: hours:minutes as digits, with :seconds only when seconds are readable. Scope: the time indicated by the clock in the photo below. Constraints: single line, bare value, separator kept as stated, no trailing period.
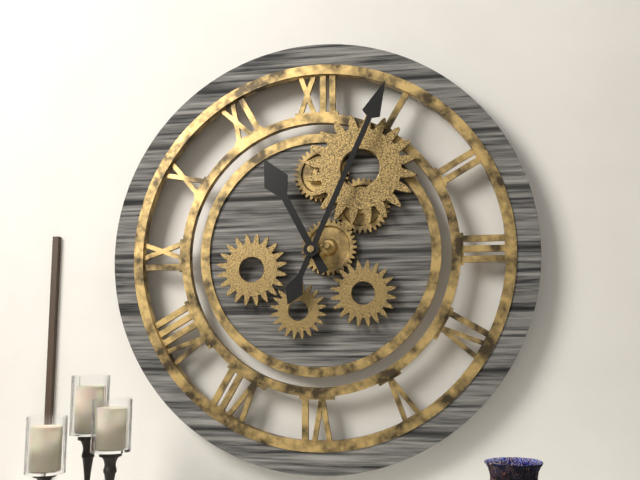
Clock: 11:04
